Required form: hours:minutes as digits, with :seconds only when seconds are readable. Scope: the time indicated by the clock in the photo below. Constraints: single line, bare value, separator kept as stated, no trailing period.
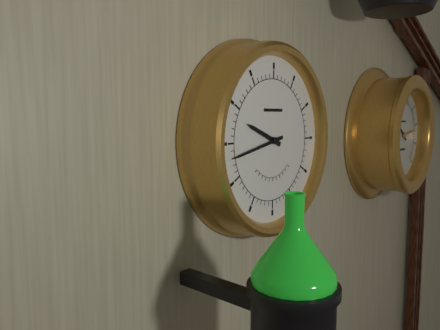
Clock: 9:43
